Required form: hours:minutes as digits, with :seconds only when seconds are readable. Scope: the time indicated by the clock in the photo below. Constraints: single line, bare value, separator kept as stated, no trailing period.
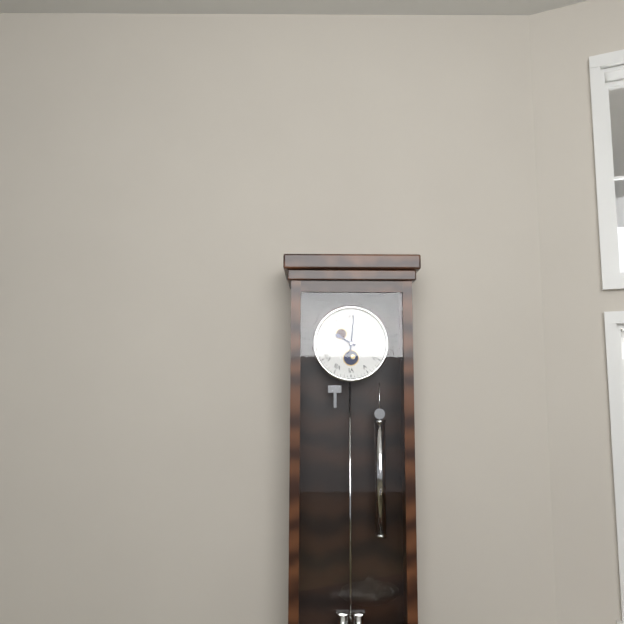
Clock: 10:01
